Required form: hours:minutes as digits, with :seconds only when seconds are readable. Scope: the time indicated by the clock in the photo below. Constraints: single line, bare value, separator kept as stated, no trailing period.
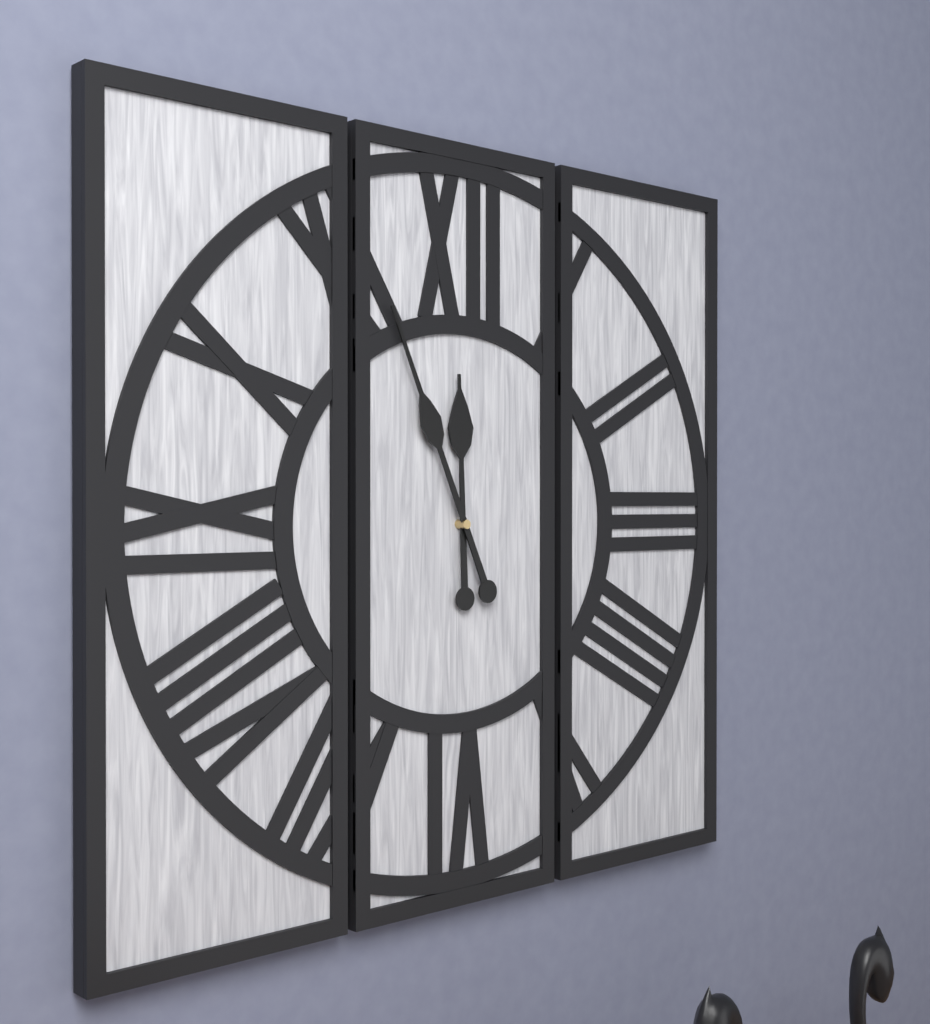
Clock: 11:56
